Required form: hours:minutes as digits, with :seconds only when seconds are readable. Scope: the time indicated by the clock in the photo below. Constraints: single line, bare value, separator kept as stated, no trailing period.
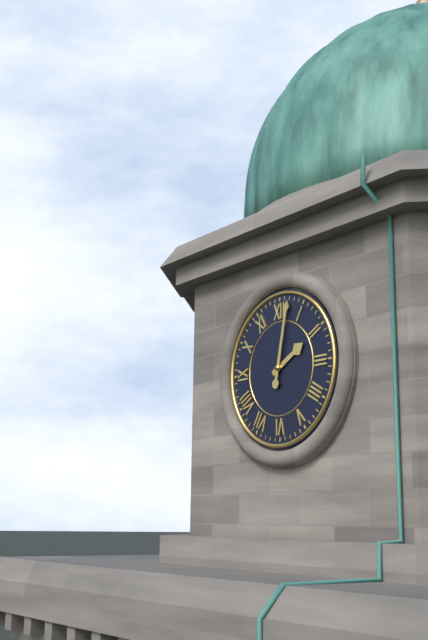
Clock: 2:02
